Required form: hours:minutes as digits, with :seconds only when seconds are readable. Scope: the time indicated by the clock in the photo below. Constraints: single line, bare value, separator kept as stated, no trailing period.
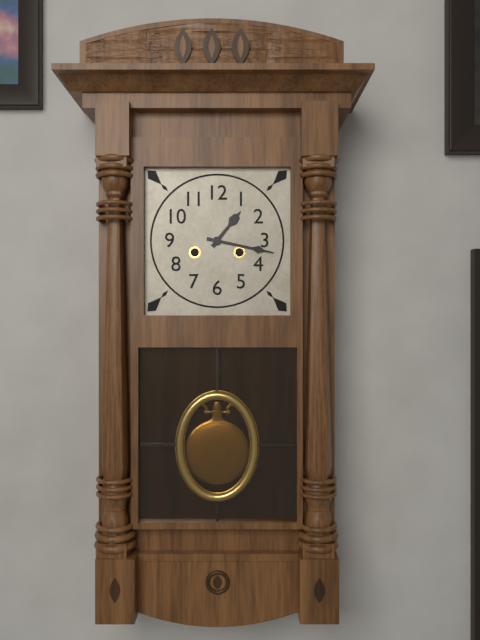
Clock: 1:17
